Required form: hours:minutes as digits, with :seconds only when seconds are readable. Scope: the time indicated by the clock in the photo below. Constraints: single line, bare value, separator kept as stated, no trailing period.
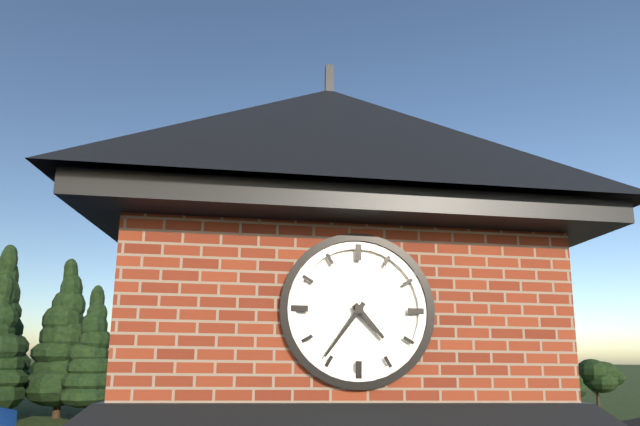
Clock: 4:36
